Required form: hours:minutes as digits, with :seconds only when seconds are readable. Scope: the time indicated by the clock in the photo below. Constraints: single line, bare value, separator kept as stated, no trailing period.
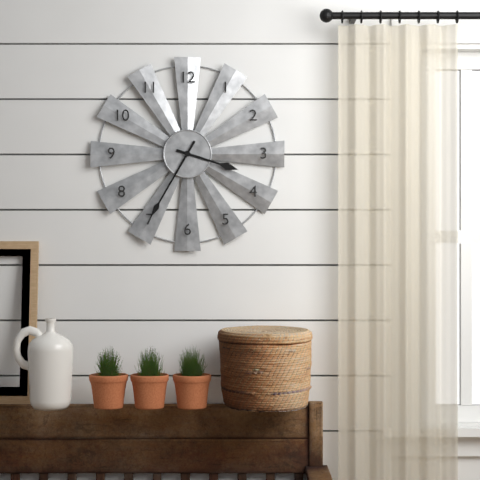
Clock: 3:35
